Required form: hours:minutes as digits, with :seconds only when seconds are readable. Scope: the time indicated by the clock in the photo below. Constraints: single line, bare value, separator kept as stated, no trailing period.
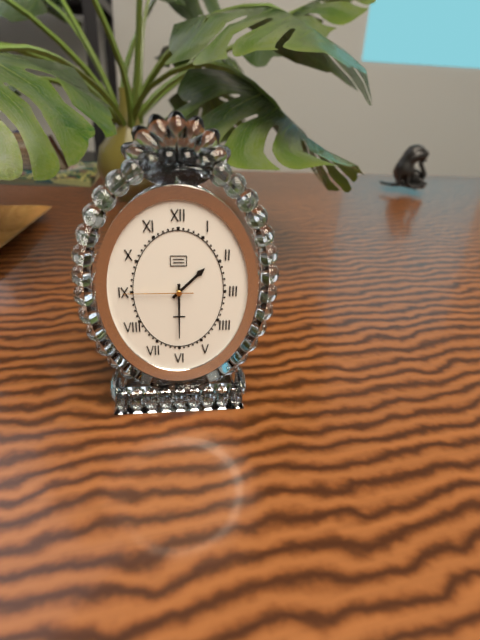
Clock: 1:30:45
